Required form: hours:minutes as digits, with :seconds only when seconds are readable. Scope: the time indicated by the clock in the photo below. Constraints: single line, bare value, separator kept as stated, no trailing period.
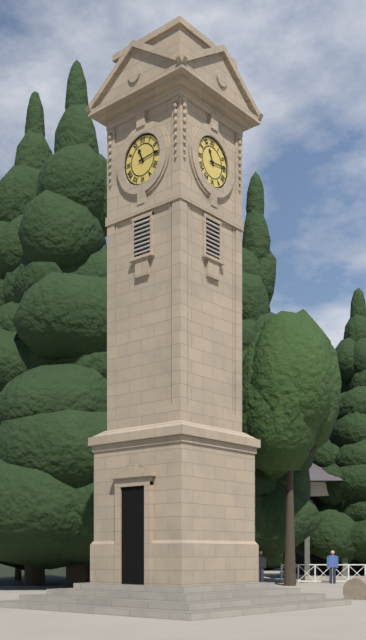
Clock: 11:14
